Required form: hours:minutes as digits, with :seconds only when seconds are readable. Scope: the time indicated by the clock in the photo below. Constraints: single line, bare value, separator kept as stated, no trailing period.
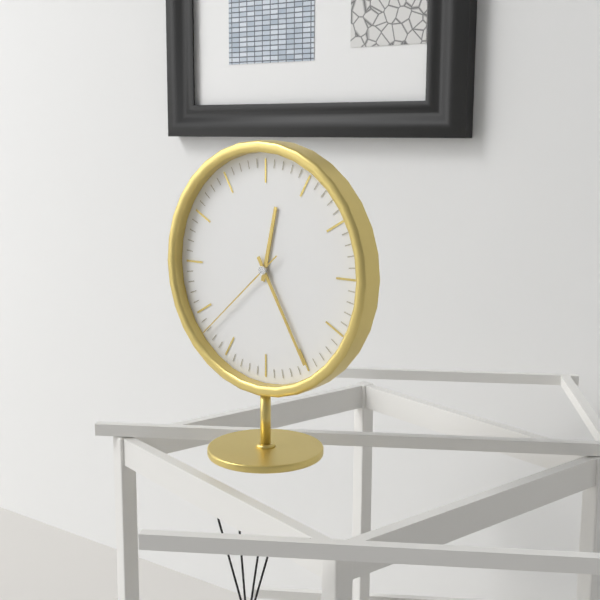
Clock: 12:25:38
